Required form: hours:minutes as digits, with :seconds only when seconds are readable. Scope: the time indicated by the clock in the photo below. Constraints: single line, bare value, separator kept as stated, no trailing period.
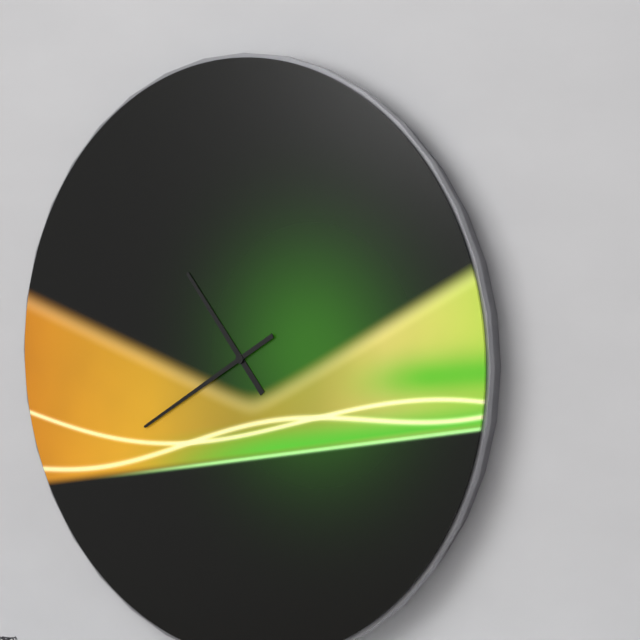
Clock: 10:40
